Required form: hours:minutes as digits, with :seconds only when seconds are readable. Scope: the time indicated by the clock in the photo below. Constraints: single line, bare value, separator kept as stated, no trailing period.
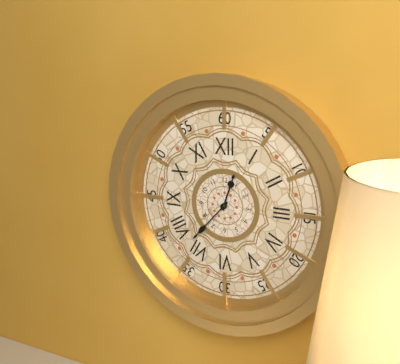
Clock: 12:37
